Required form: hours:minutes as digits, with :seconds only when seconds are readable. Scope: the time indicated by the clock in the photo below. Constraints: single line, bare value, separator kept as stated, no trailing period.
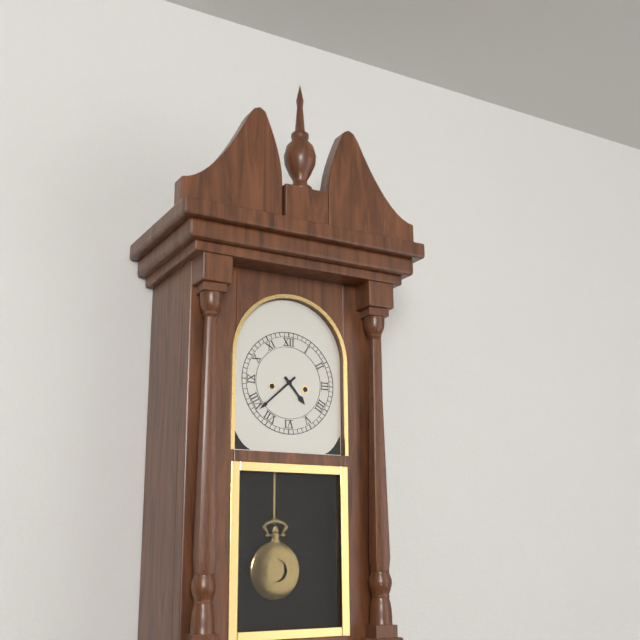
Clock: 4:38
